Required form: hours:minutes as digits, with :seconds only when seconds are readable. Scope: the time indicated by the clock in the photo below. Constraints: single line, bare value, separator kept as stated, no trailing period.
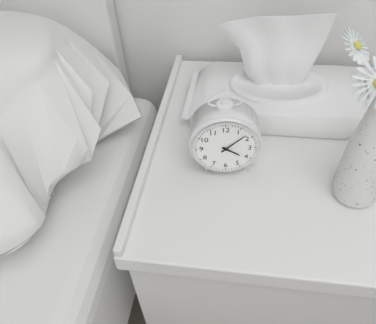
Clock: 4:08
